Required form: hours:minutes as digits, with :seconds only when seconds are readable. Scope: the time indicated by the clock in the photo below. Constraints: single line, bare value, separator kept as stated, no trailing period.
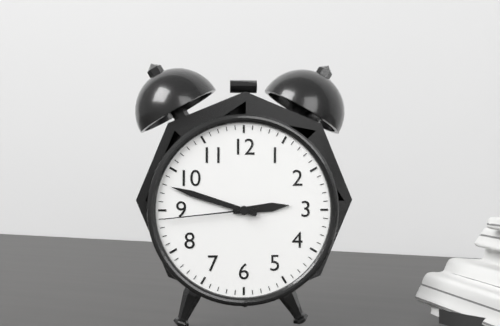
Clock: 2:48:44
